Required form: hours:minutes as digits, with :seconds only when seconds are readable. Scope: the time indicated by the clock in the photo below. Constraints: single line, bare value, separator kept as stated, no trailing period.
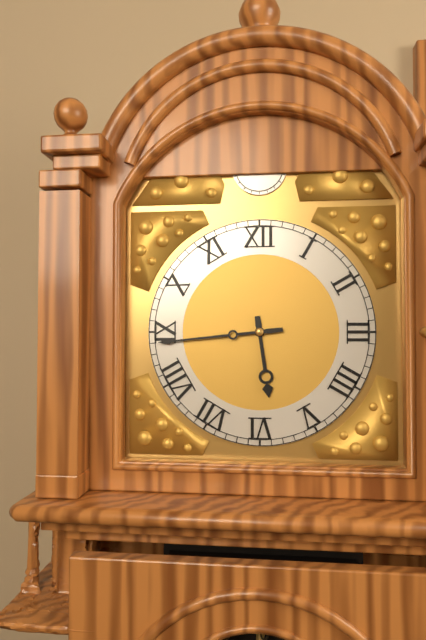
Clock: 5:44
